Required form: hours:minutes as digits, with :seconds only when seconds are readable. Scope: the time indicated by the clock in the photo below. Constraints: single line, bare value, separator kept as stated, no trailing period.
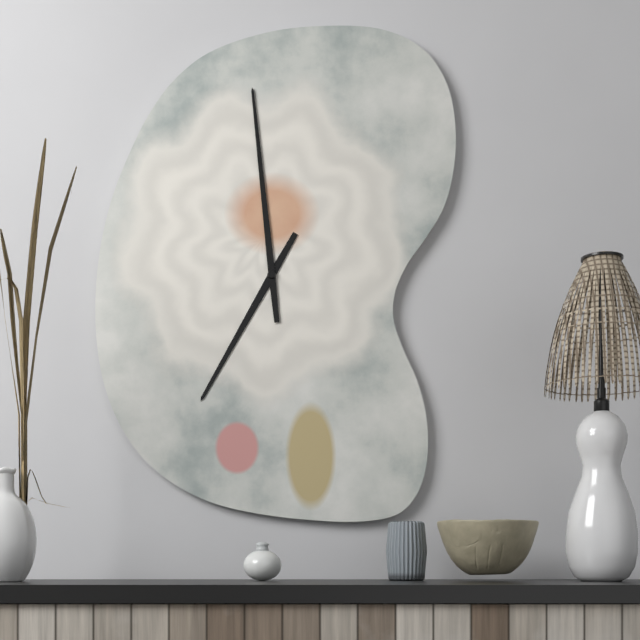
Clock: 6:59
